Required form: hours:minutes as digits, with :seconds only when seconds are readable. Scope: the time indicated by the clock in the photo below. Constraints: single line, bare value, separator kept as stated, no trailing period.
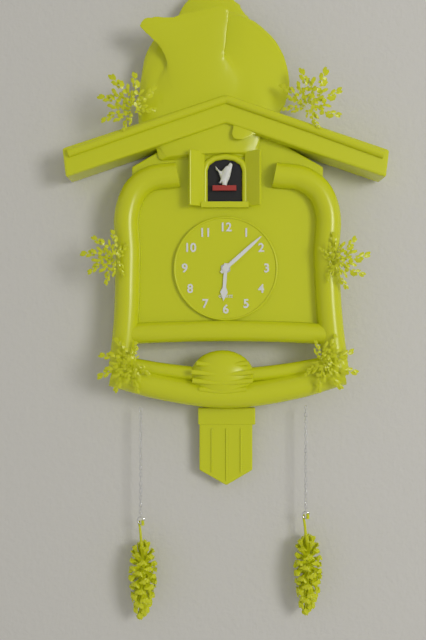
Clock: 6:08
